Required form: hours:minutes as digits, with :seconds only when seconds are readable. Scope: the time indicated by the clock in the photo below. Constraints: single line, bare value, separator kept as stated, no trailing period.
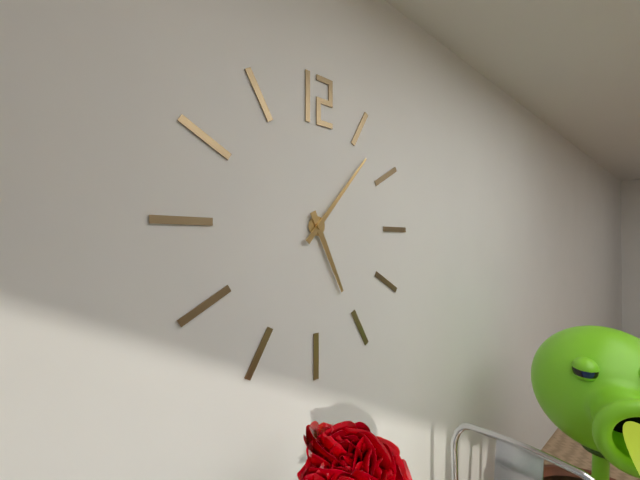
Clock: 5:07
